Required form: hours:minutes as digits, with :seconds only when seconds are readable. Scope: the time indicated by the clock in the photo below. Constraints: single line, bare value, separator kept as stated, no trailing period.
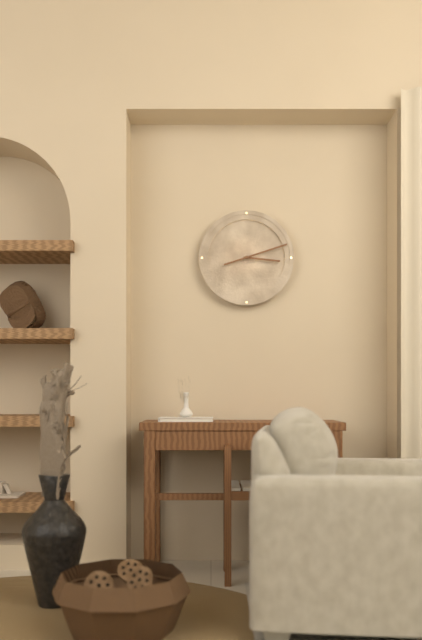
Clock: 3:12
